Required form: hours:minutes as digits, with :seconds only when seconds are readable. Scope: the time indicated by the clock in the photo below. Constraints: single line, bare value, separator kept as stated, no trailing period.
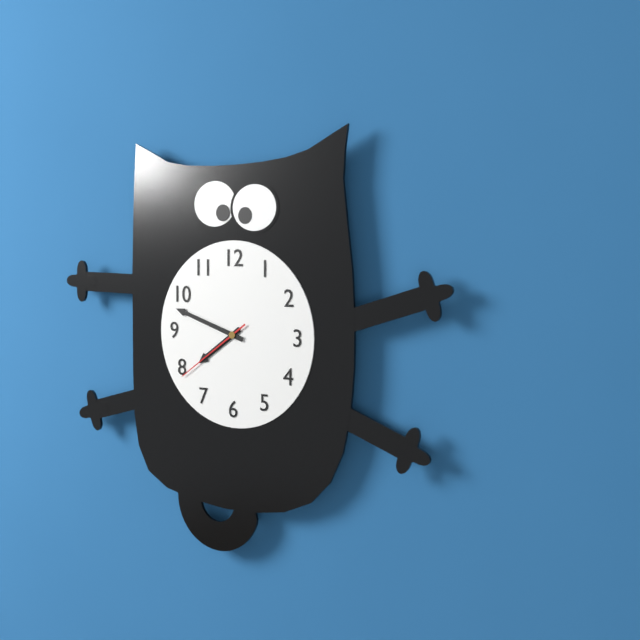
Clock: 7:48:39
